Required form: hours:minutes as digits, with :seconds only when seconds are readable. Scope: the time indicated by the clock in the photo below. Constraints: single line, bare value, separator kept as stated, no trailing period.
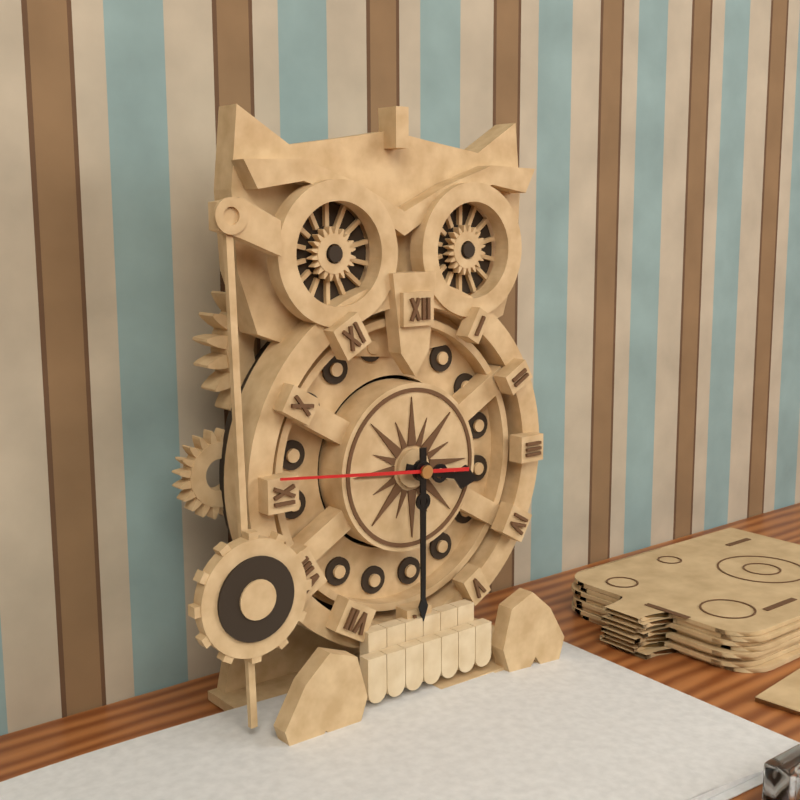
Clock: 3:30:46
